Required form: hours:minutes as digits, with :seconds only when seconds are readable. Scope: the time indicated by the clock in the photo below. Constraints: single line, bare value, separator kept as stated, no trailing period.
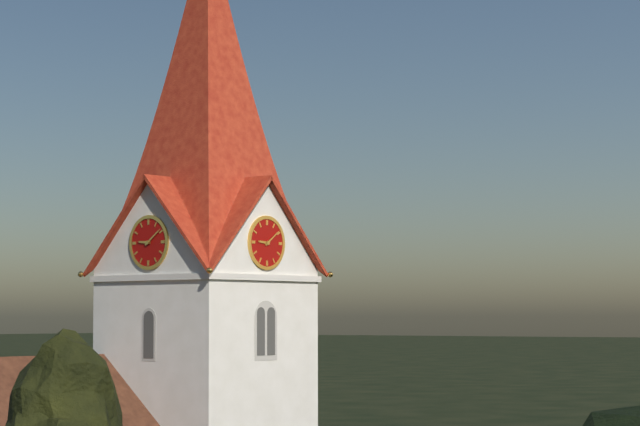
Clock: 9:09
